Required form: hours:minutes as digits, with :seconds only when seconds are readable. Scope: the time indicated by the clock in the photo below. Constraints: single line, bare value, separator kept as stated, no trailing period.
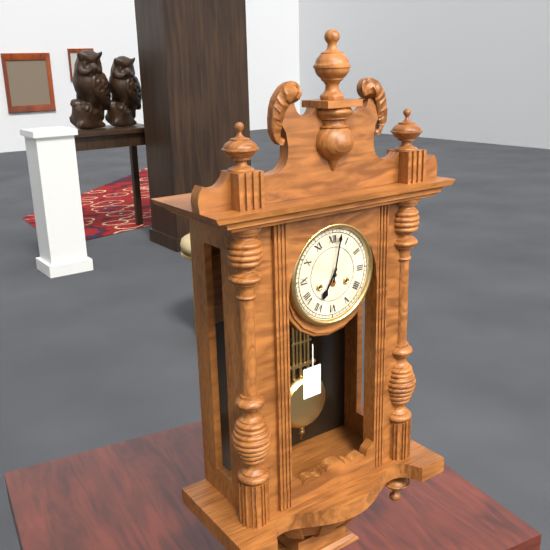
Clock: 7:02
